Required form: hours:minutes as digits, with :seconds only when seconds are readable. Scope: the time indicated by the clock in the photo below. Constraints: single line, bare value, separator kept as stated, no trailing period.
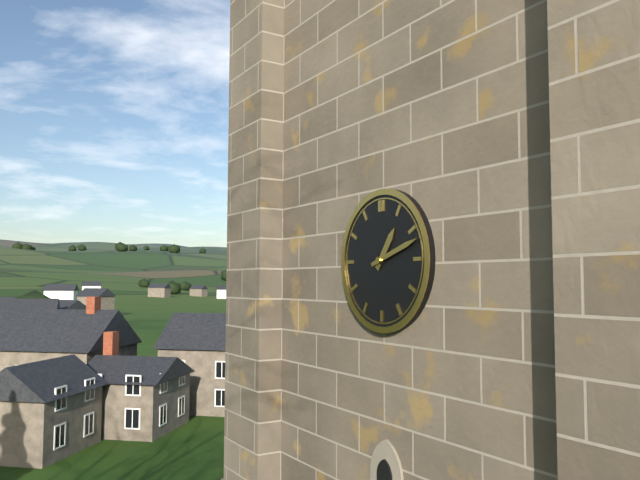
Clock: 1:12
